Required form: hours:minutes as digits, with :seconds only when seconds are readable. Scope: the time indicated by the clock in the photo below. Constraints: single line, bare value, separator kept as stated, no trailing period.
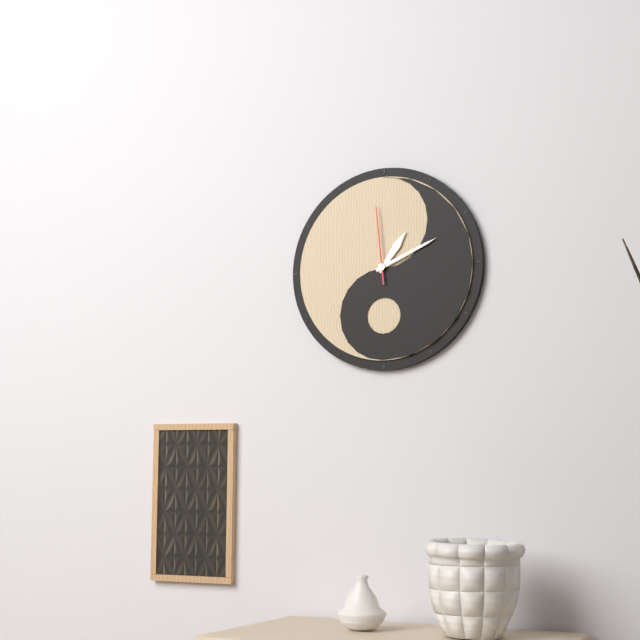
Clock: 1:11:59
